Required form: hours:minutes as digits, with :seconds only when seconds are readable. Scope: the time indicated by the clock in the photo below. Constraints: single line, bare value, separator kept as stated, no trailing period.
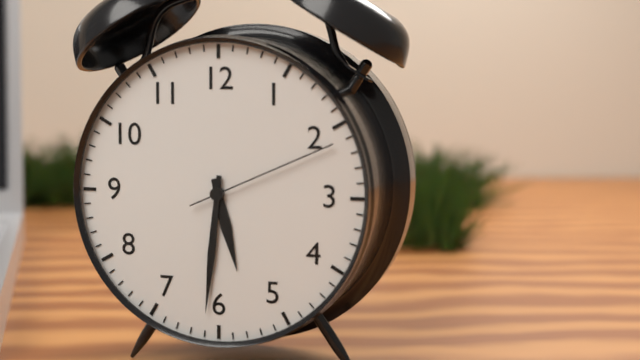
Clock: 5:31:11
